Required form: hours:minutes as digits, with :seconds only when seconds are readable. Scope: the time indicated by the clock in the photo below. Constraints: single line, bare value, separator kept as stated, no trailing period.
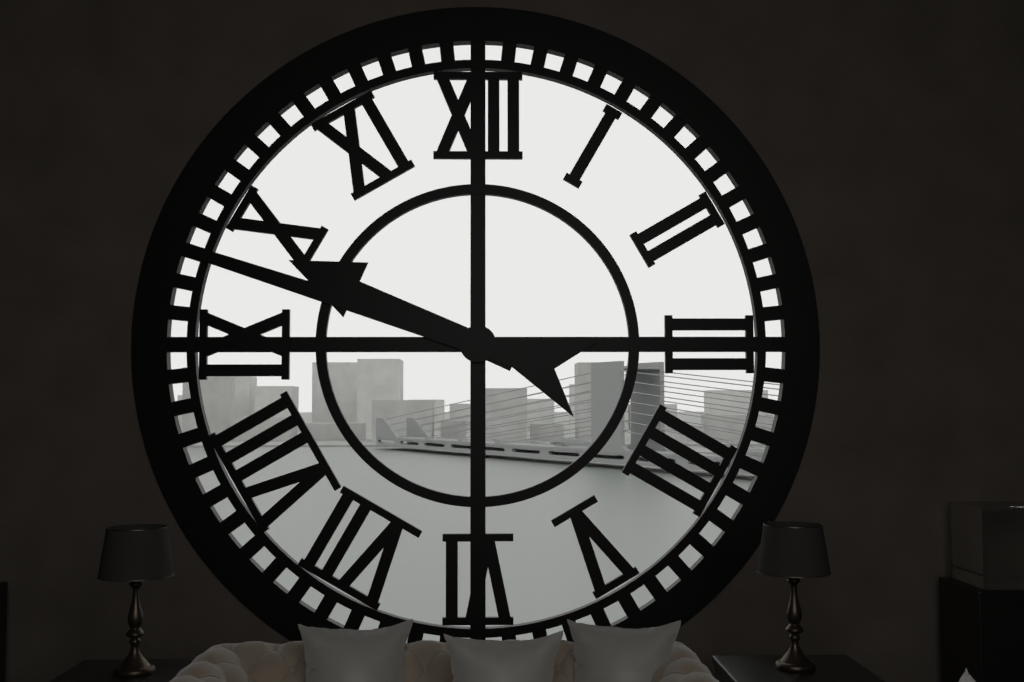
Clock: 9:48
